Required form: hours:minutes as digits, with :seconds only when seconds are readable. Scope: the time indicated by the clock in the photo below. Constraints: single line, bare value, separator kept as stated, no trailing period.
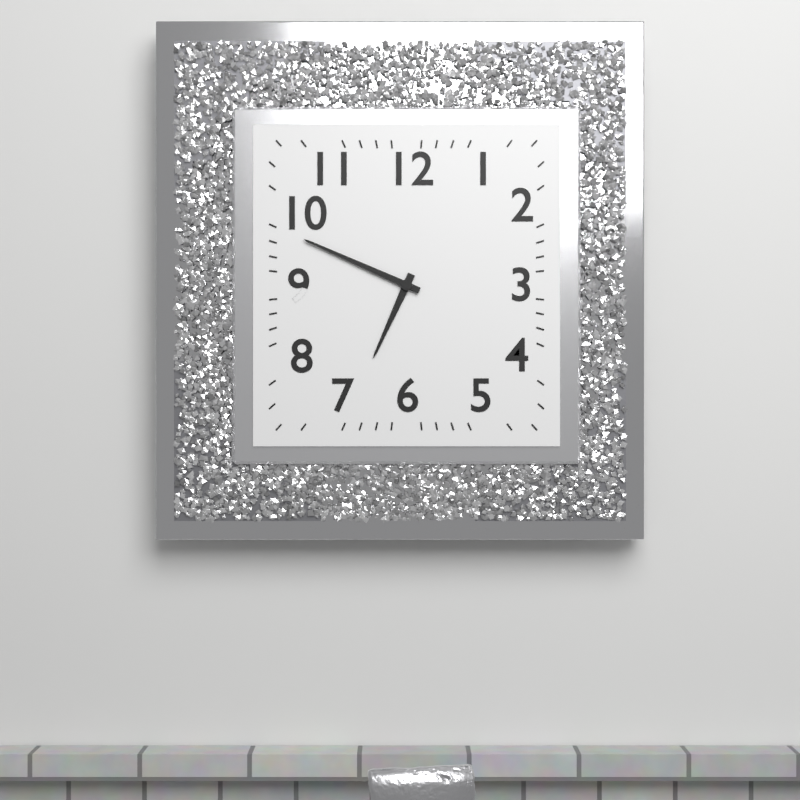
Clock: 6:49
